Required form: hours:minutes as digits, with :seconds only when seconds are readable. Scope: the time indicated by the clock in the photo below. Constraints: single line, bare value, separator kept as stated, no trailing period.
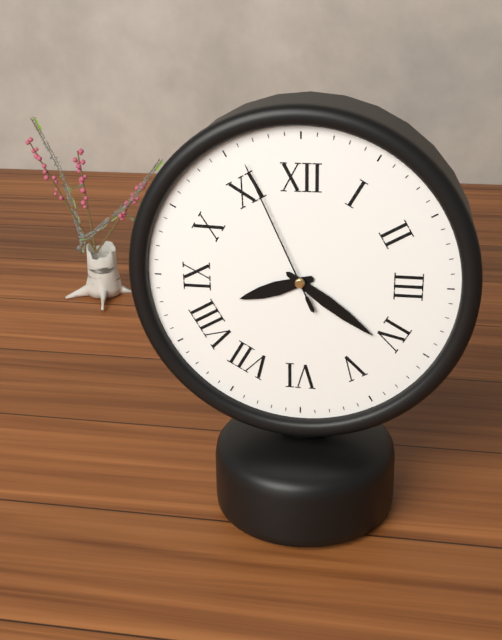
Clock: 8:21:56
